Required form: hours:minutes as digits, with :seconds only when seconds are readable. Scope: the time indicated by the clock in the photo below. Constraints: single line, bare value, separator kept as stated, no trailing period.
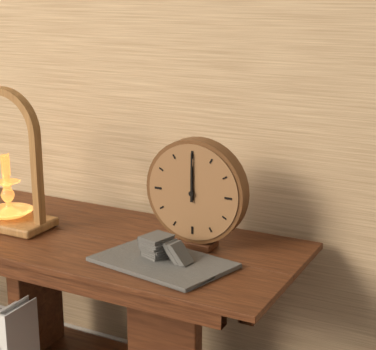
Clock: 12:00
